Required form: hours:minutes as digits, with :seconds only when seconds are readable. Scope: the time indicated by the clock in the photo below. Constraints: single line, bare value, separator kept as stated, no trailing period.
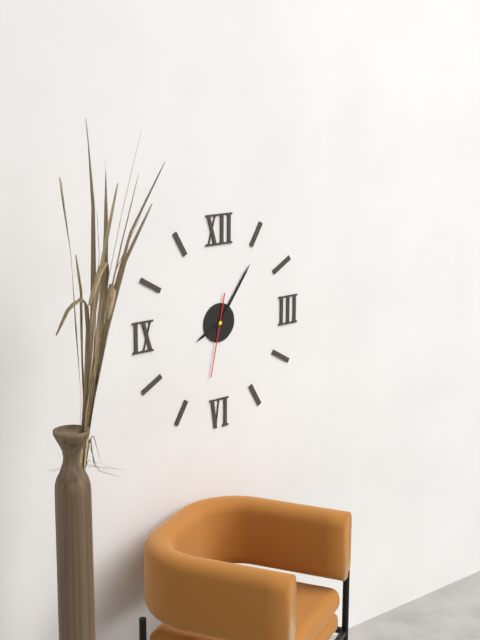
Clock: 8:06:32
